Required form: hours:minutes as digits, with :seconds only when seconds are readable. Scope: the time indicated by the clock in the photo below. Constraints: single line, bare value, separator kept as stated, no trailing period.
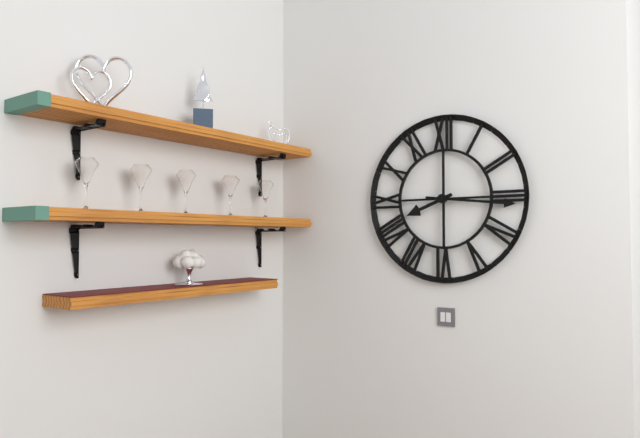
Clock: 8:16
